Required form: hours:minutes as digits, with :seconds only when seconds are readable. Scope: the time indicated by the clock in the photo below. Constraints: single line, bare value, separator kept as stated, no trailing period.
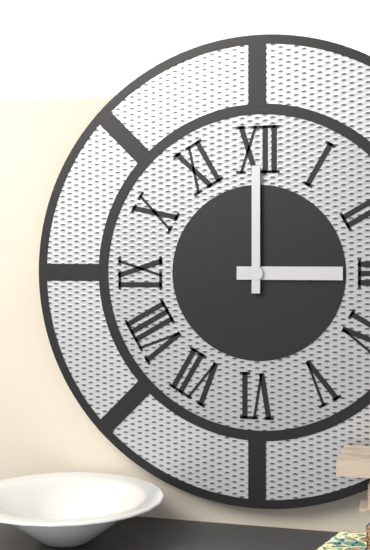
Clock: 3:00
